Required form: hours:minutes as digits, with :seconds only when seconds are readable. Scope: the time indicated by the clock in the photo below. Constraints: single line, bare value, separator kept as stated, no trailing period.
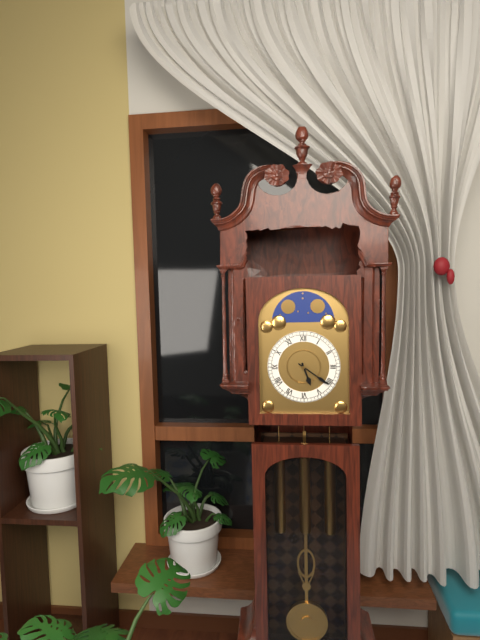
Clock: 5:21
